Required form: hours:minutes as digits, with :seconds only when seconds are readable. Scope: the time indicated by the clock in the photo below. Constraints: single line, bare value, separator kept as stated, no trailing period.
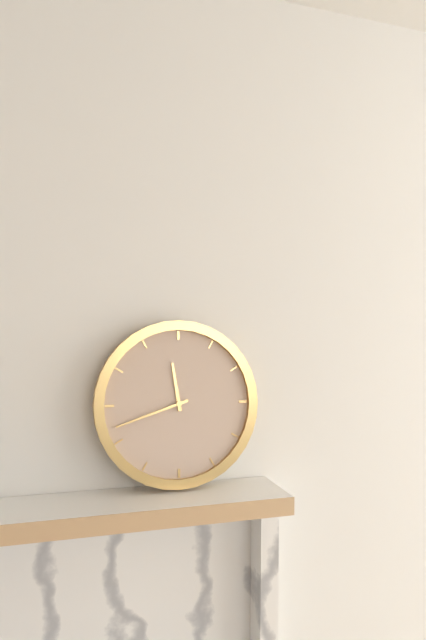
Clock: 11:42
